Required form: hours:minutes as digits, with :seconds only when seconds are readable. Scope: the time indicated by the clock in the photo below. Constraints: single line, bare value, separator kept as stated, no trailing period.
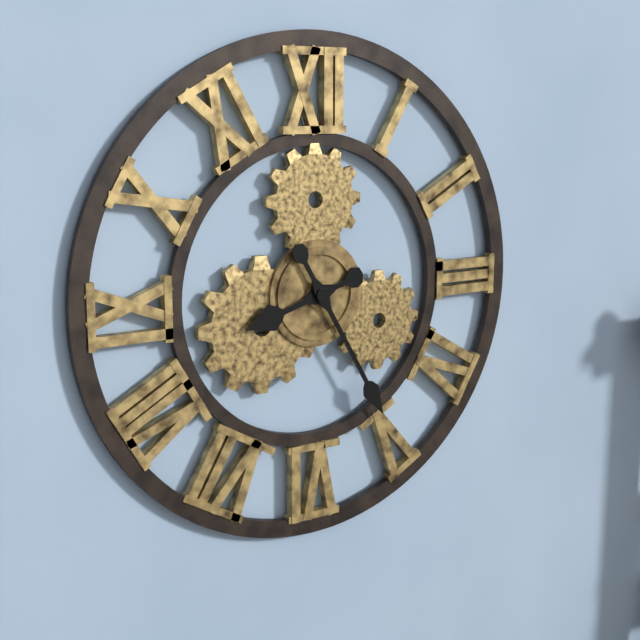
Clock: 8:25
